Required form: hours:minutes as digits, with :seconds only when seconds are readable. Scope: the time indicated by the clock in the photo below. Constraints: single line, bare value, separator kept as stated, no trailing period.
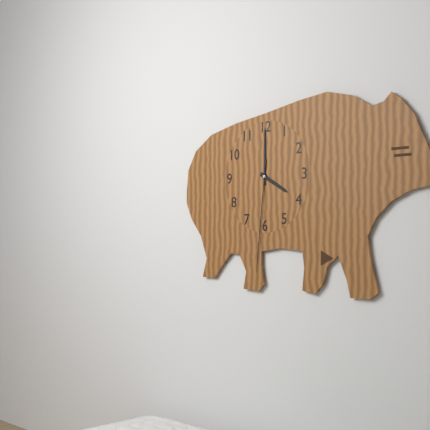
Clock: 4:00:31
